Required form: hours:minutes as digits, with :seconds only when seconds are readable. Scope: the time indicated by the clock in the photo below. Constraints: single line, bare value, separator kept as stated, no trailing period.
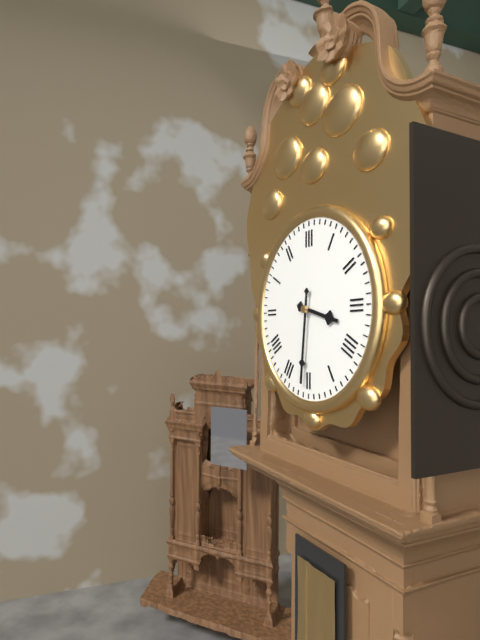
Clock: 3:31
